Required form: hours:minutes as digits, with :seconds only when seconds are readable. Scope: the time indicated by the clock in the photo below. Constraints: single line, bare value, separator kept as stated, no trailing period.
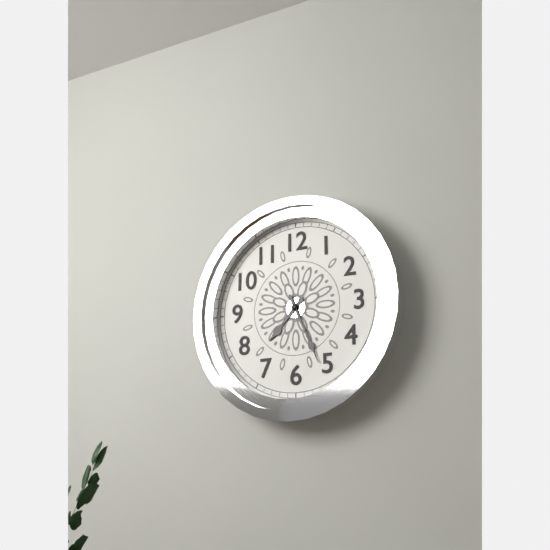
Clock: 7:26
